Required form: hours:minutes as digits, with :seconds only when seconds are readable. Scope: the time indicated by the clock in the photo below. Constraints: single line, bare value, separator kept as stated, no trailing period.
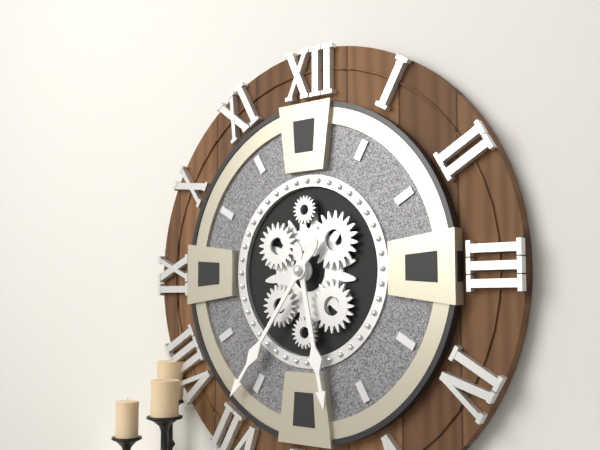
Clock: 5:36
